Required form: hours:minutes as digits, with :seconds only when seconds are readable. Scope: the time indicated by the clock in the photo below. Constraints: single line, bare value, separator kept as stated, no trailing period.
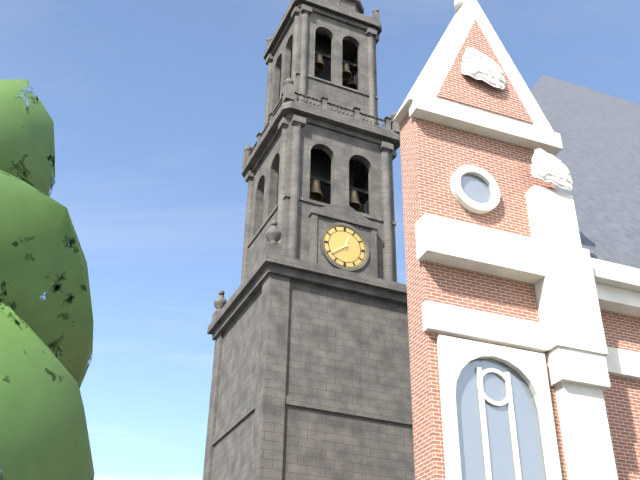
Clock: 12:39
